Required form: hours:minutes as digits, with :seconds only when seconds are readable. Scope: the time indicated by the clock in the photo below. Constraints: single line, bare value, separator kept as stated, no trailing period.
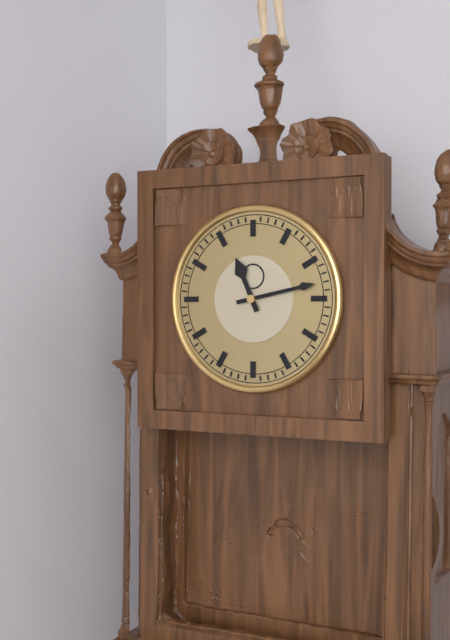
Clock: 11:13
